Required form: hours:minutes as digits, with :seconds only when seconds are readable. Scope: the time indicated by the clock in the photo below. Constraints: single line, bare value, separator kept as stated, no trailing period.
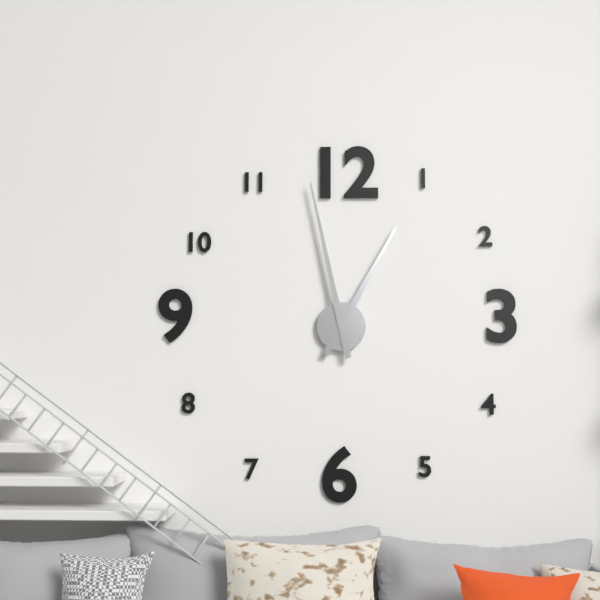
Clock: 12:58
